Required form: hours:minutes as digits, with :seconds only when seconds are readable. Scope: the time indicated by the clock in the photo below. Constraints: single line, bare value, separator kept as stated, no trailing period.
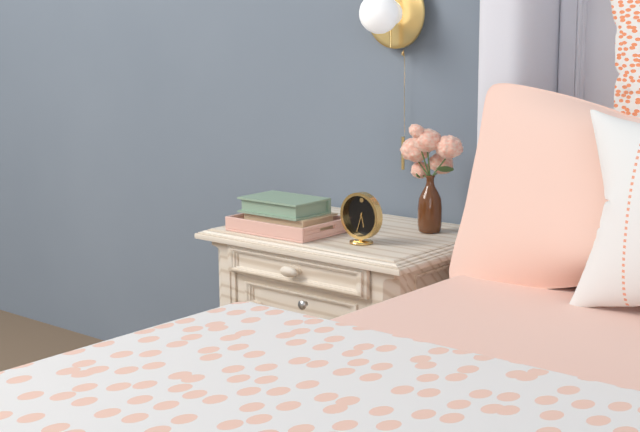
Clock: 5:33
